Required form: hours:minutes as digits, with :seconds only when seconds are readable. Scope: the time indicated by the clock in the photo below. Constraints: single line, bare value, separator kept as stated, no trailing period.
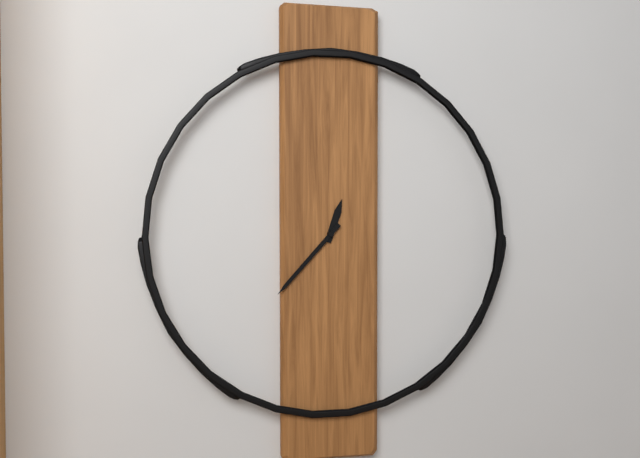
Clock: 12:37
